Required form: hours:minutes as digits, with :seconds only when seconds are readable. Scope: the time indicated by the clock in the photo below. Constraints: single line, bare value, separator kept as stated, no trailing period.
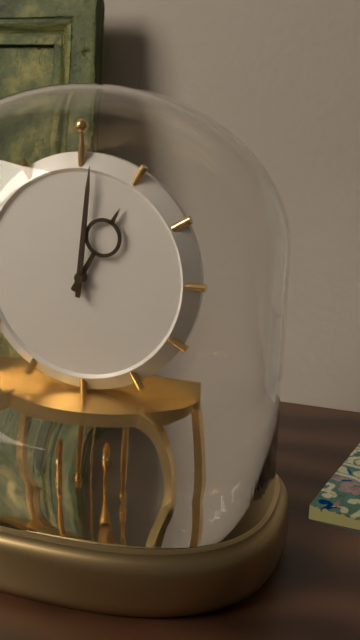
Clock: 1:01
